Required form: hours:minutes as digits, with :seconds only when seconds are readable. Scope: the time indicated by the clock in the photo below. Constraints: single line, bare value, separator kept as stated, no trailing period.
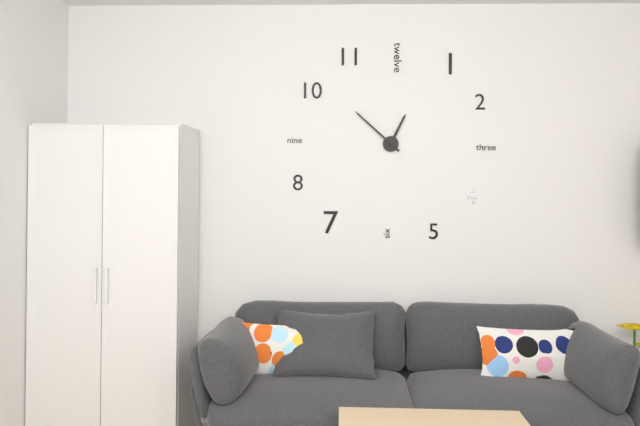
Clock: 12:52
